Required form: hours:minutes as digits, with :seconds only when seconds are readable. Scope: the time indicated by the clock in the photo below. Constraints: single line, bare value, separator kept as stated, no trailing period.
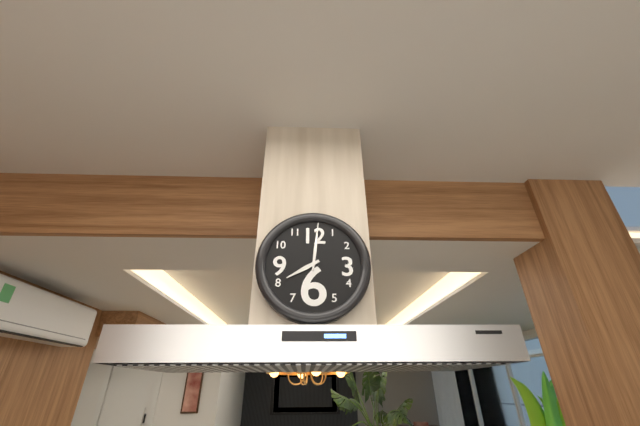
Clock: 8:01
